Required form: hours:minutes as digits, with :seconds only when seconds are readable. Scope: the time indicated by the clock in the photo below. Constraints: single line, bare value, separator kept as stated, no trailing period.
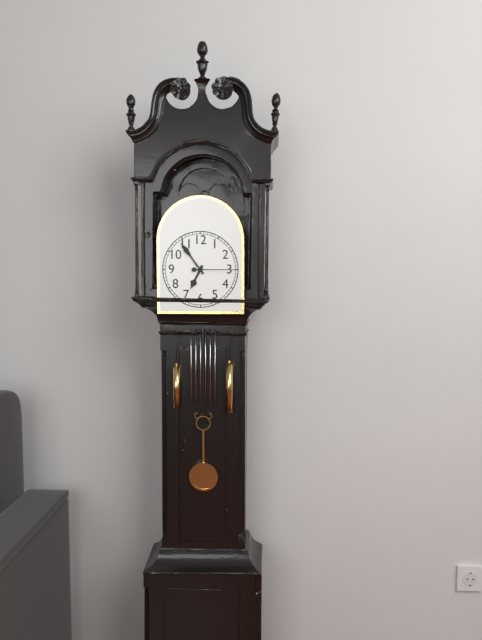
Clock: 6:54
